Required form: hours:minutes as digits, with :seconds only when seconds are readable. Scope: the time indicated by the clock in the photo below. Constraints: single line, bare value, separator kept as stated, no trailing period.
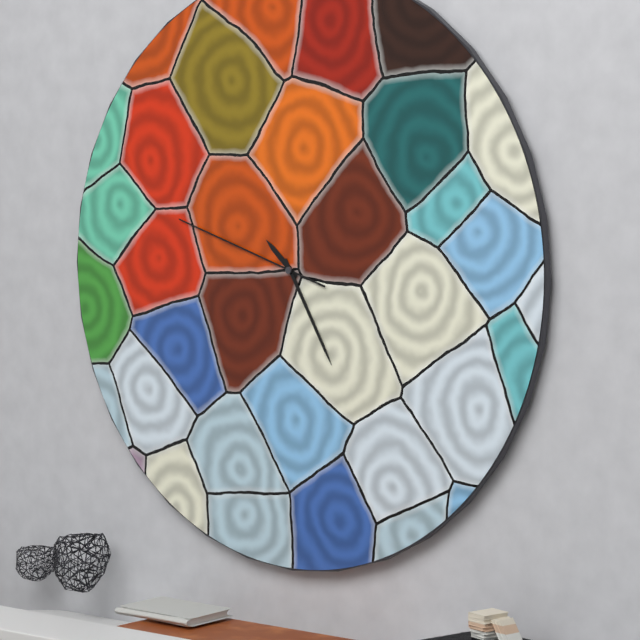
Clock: 10:25:48
